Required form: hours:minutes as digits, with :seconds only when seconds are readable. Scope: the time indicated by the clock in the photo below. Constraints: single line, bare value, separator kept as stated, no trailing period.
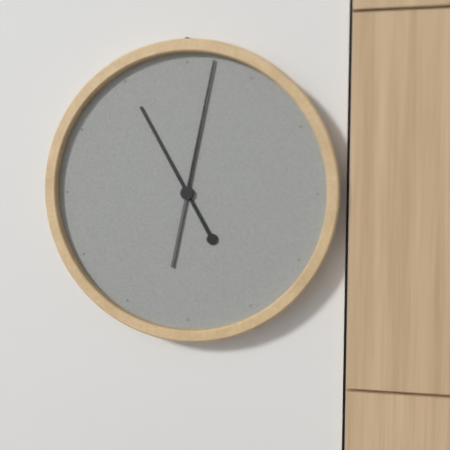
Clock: 11:02
